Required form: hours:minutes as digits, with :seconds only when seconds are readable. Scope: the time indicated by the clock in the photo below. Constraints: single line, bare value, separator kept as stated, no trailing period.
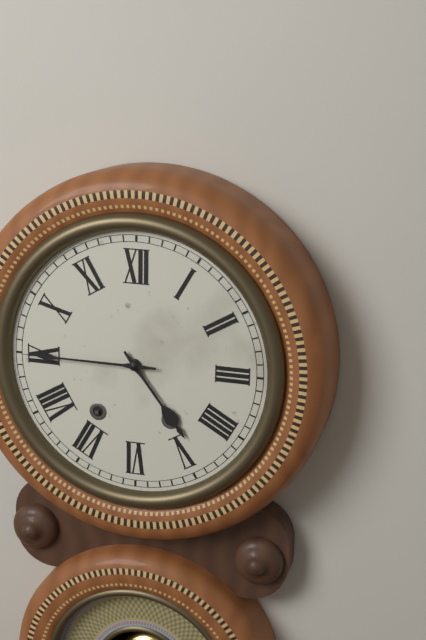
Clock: 4:45
